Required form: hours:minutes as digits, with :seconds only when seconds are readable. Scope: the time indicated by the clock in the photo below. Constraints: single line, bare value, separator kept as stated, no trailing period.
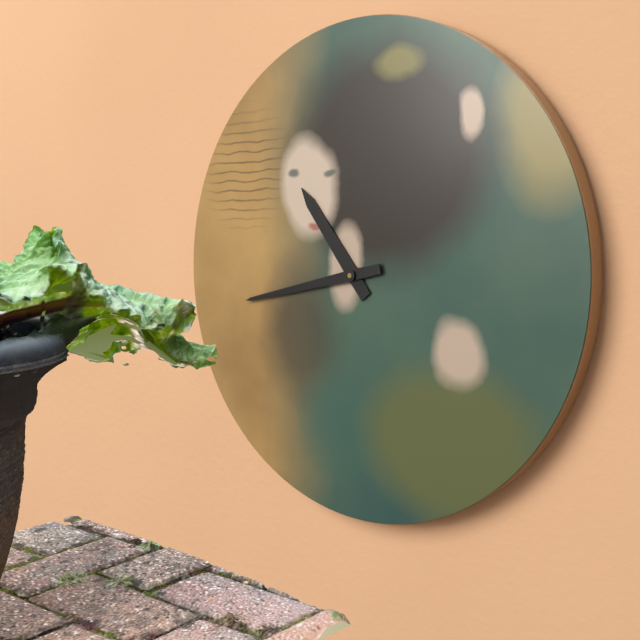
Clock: 10:43
